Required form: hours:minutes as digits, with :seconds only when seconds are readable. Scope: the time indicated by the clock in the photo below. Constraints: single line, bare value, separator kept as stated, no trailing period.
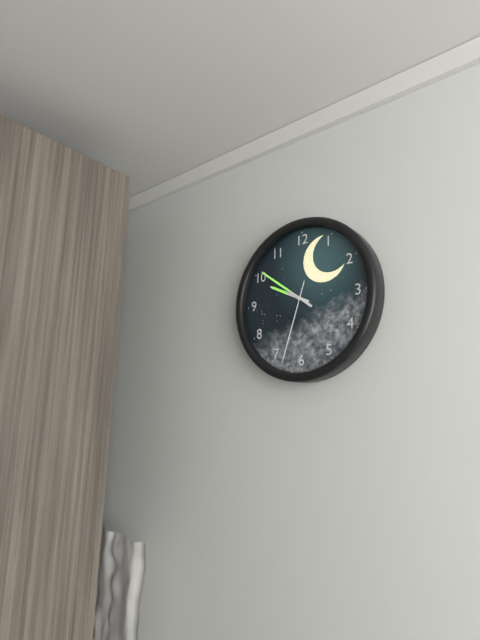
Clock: 9:51:33
